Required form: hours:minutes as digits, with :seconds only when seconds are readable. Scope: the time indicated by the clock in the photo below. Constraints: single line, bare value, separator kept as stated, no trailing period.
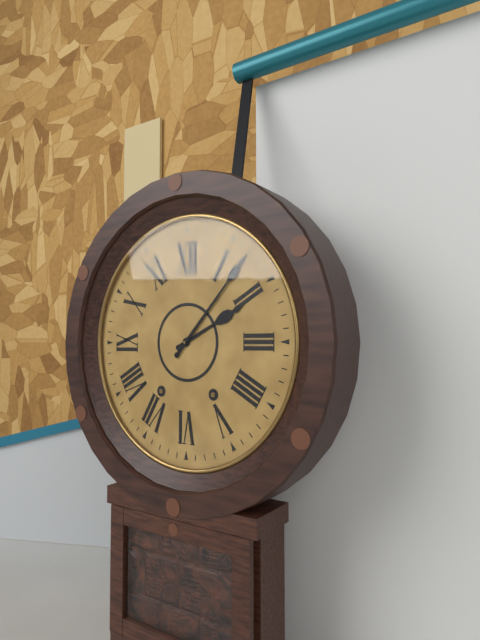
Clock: 2:07
